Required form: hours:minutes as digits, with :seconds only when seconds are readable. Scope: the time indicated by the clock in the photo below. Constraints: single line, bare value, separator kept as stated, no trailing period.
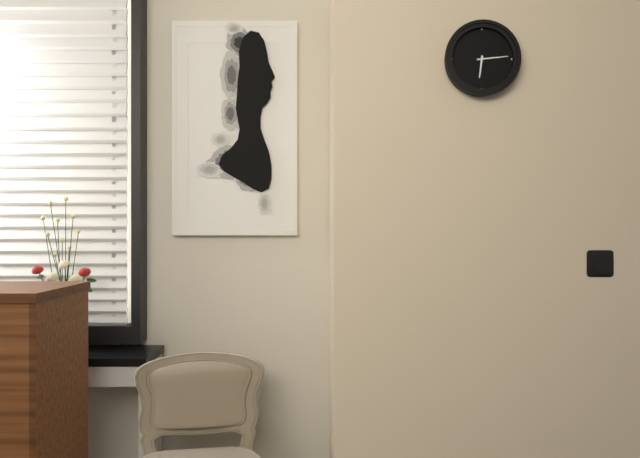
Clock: 6:14
